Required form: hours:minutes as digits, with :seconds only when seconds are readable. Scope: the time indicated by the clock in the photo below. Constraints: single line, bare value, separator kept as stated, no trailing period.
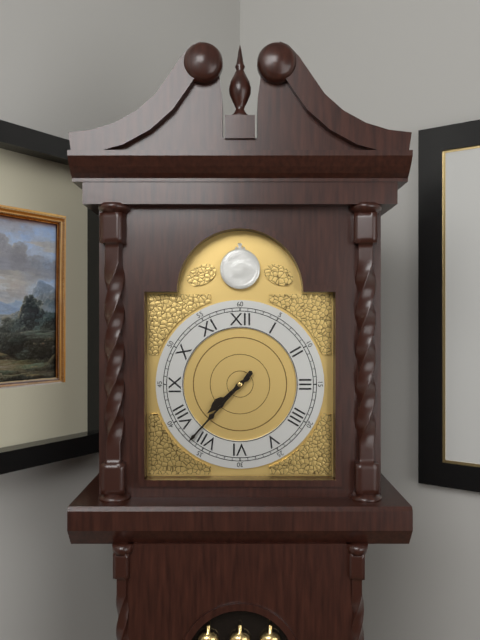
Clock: 7:37
